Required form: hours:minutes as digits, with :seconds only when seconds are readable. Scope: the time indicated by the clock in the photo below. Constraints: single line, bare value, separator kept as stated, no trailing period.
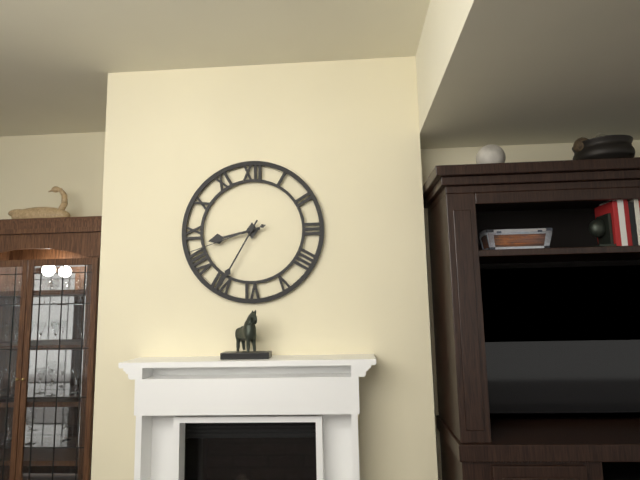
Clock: 8:35:42
